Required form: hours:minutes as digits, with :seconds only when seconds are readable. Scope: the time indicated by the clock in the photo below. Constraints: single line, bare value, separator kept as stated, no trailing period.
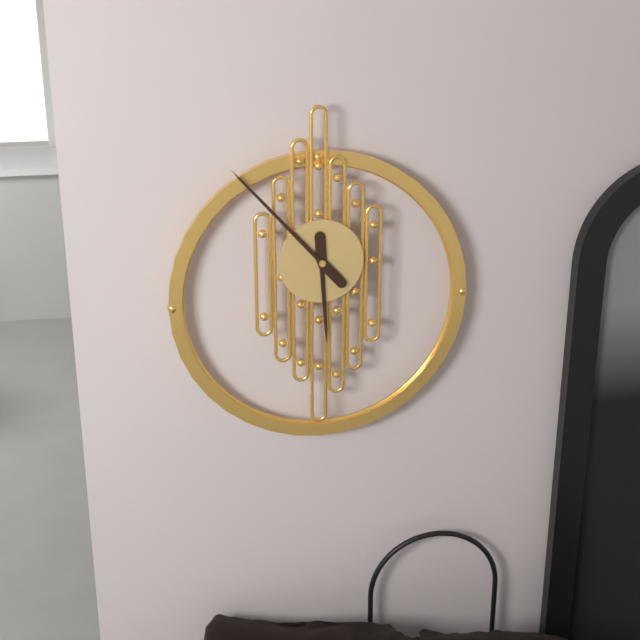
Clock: 5:53
